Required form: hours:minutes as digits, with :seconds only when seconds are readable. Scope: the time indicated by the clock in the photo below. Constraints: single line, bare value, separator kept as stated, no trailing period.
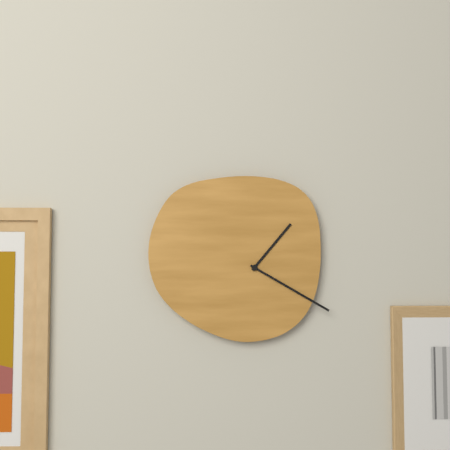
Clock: 1:20
